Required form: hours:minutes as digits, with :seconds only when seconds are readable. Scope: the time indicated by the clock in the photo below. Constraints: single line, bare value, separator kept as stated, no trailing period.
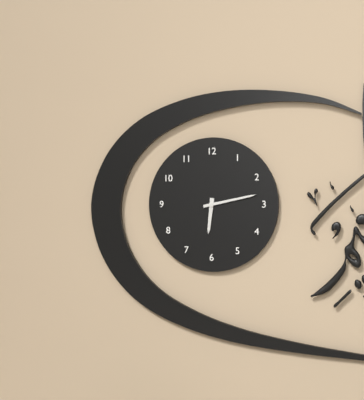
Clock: 6:13
